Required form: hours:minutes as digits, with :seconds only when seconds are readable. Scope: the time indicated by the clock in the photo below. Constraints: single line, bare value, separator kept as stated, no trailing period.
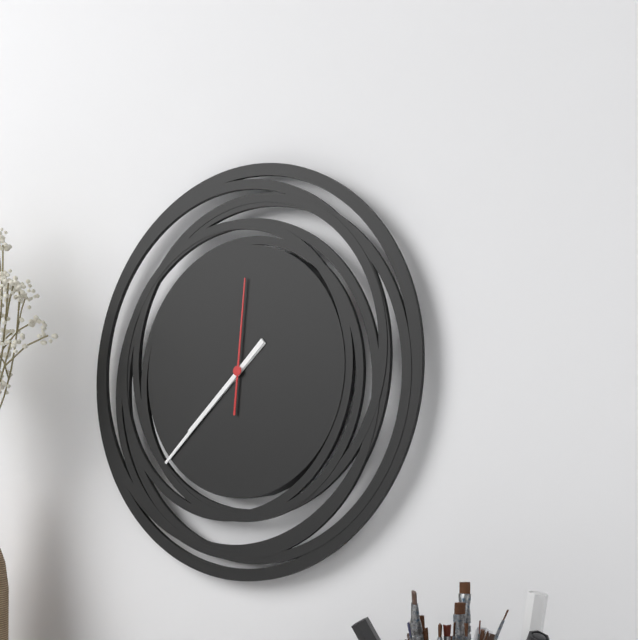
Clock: 7:38:01
